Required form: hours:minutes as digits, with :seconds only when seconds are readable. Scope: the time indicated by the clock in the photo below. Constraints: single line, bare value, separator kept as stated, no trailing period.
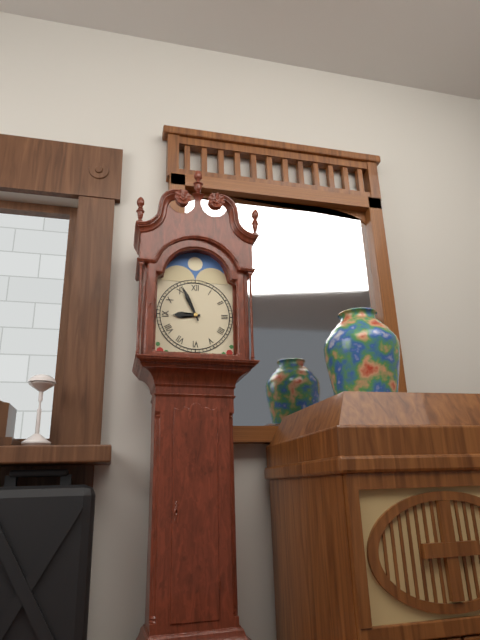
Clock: 8:56
